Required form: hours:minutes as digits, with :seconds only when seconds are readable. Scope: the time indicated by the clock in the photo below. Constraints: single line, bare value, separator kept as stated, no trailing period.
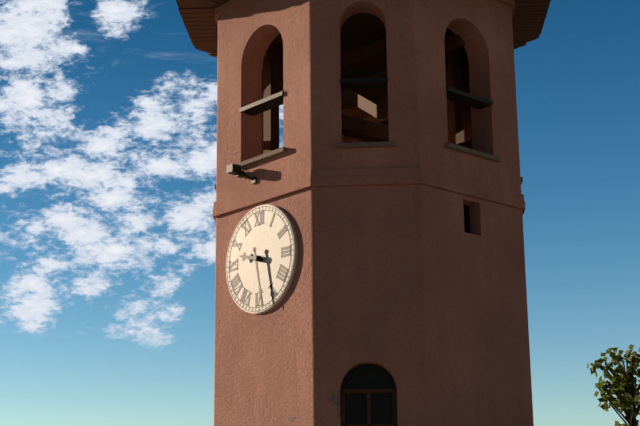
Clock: 9:28
